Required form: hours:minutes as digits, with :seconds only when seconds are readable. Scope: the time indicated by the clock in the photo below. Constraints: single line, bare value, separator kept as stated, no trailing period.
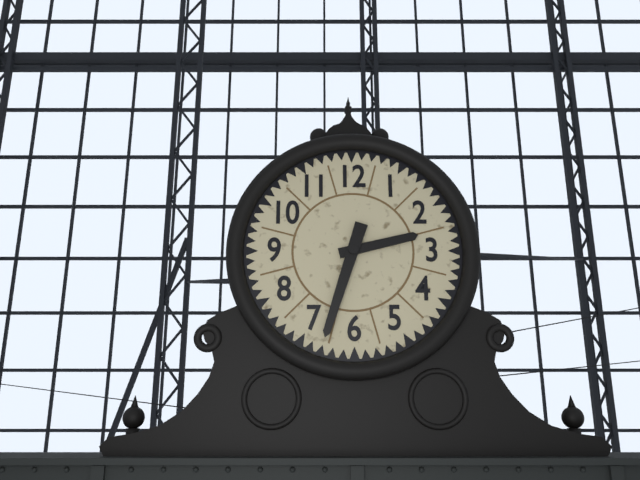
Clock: 2:33
